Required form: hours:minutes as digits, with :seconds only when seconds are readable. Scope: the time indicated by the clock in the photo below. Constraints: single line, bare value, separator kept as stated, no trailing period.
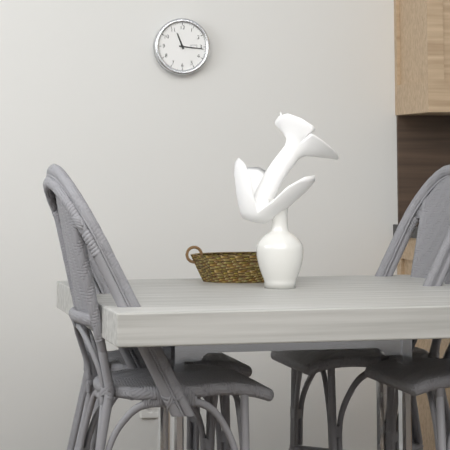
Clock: 11:16
